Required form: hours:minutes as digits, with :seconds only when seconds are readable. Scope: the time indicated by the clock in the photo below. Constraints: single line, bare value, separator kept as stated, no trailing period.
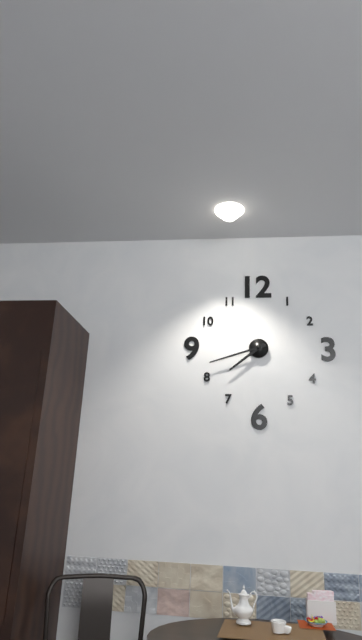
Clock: 7:42
